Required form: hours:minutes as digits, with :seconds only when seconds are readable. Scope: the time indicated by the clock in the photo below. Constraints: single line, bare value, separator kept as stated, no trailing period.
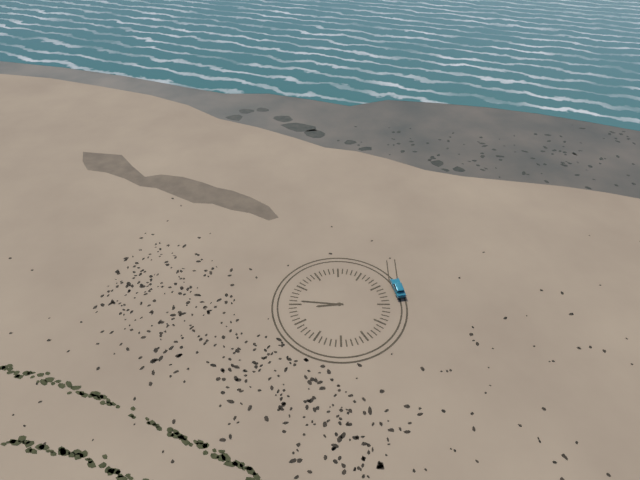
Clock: 8:46
